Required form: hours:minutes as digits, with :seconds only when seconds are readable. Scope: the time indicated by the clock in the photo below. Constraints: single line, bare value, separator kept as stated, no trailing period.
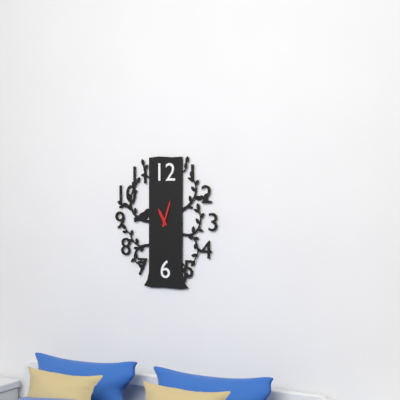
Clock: 11:03
